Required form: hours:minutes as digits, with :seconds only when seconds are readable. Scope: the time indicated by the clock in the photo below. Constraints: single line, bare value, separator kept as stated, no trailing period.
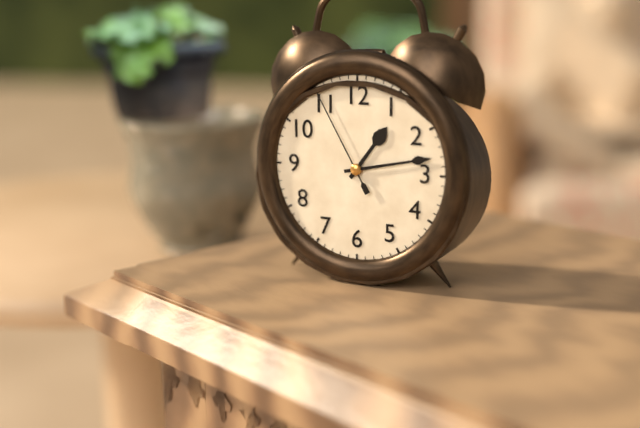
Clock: 1:13:55
